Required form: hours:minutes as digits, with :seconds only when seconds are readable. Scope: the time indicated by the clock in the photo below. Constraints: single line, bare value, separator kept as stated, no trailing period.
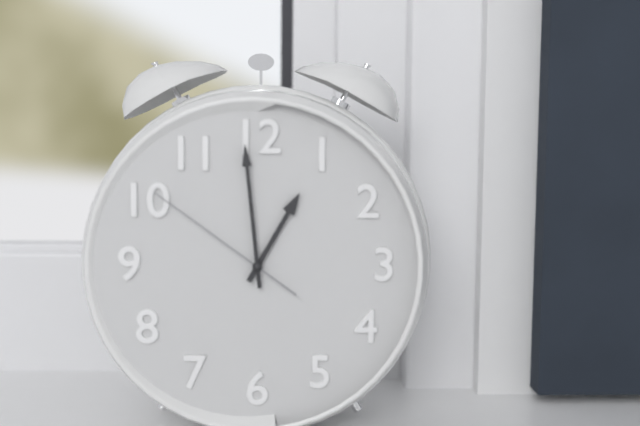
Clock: 12:59:51
